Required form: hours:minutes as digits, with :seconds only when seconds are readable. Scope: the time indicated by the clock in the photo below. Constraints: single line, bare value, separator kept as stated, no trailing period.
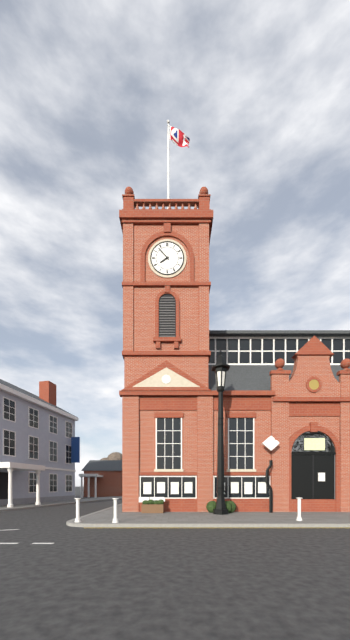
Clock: 7:53
